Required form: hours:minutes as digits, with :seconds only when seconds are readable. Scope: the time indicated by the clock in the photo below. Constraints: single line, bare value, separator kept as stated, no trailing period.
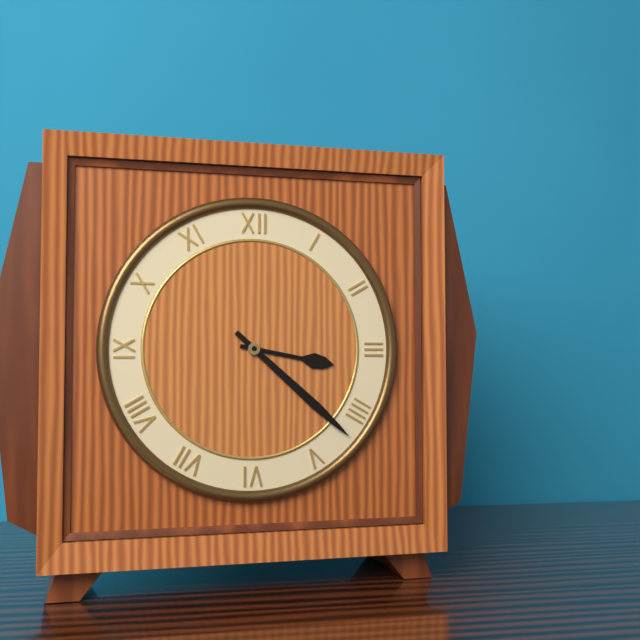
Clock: 3:22
